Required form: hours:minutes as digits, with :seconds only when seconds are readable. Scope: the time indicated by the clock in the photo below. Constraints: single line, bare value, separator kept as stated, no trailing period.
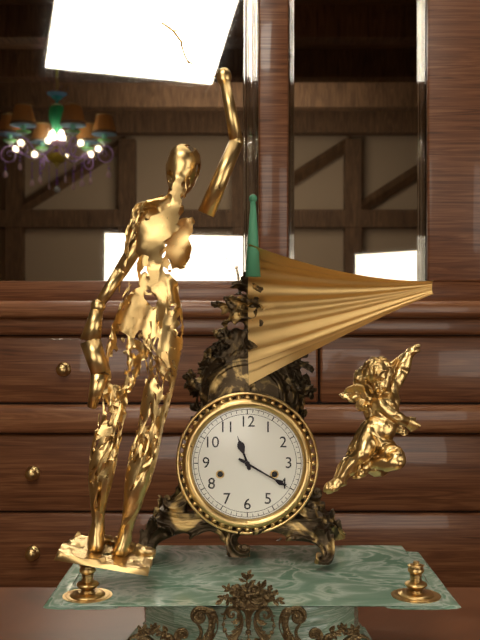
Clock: 11:20
